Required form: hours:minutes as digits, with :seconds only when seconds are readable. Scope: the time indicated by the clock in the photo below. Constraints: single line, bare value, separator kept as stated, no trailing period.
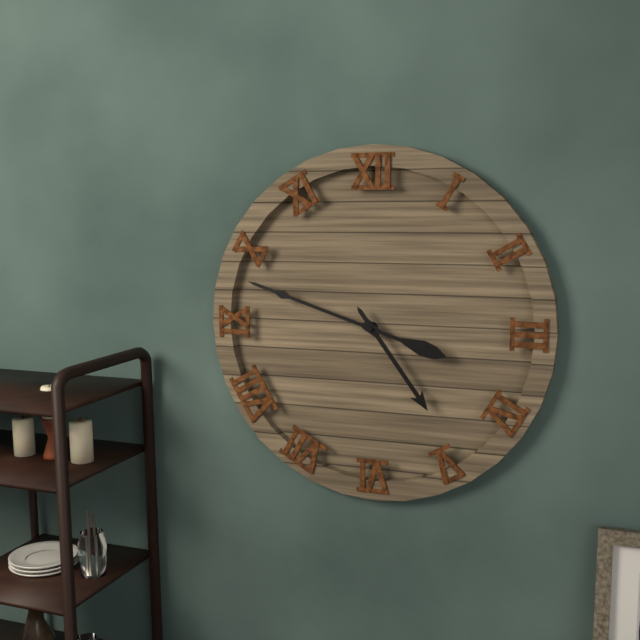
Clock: 4:48
